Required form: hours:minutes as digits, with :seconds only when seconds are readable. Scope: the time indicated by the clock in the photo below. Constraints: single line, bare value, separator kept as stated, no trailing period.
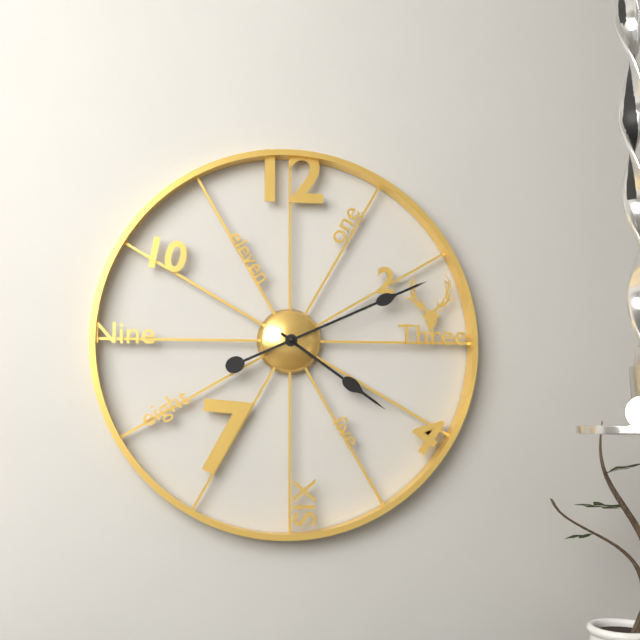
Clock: 4:11
